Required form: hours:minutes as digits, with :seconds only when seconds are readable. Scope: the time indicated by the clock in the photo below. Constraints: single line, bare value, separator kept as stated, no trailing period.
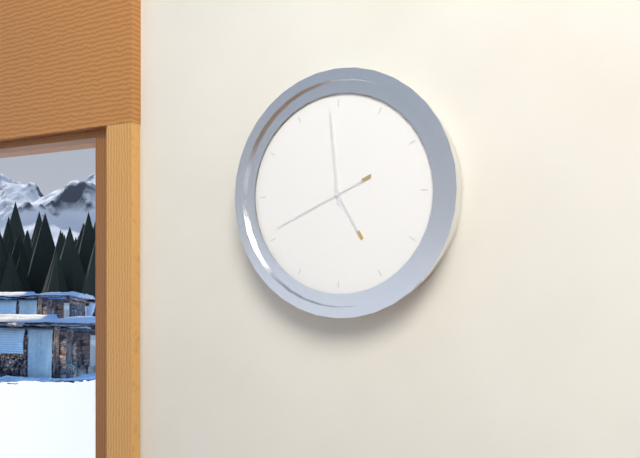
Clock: 4:59:41
